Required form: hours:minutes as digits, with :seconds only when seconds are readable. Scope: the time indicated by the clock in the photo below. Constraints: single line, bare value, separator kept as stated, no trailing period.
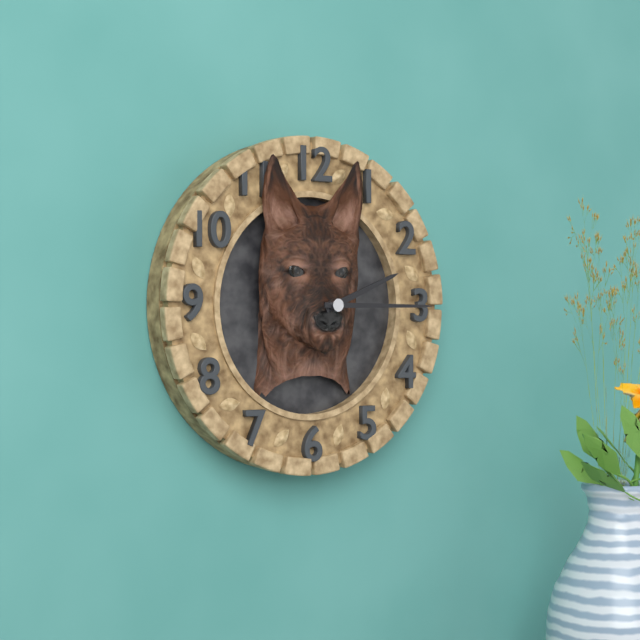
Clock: 2:15
